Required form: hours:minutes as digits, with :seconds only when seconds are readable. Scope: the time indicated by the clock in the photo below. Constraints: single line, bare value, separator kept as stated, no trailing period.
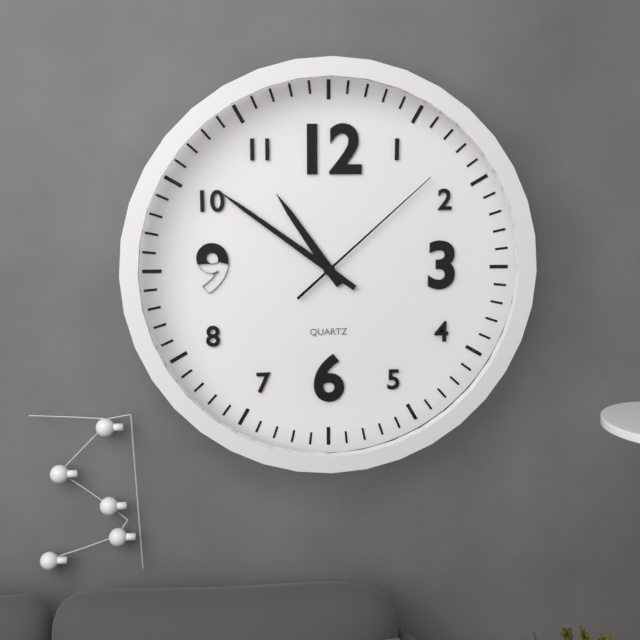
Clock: 10:51:08
